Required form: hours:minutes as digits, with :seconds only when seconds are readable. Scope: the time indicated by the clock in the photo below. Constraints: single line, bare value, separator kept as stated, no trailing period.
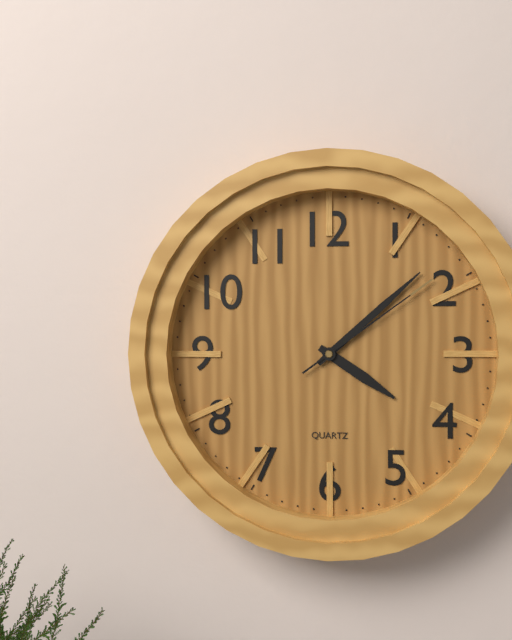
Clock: 4:08:09
